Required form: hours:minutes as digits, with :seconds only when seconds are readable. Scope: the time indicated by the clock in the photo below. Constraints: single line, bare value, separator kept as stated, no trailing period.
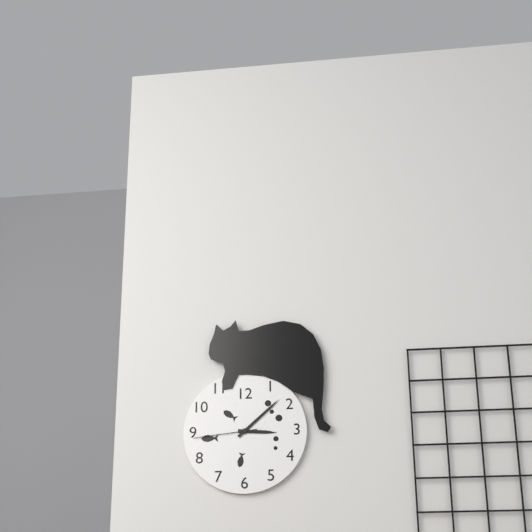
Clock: 3:08:44
